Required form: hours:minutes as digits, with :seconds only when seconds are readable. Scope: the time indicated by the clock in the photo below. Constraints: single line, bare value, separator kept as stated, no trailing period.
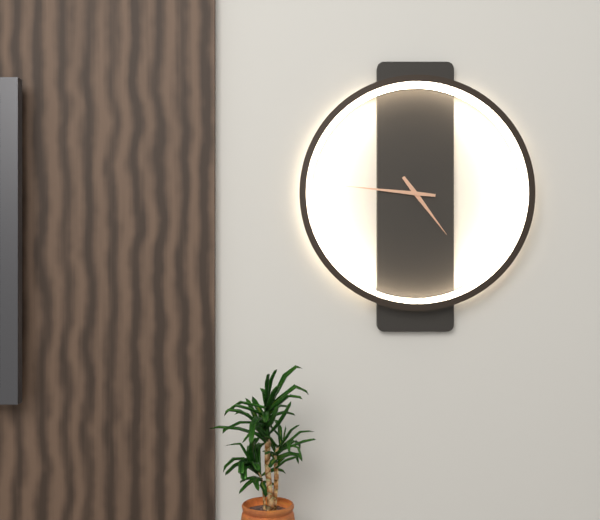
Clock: 4:46
